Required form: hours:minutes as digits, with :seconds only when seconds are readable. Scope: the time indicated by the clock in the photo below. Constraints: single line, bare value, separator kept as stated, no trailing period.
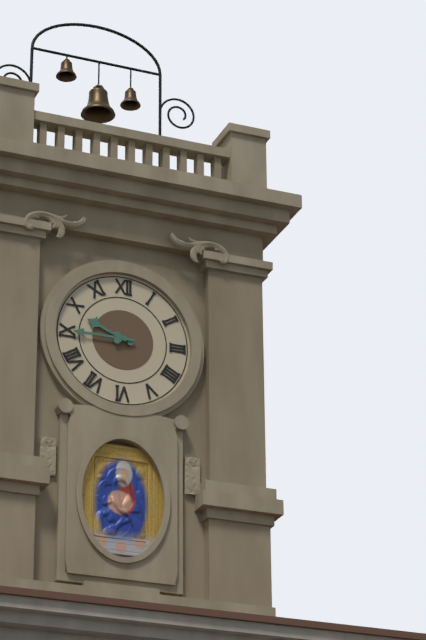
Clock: 9:45
